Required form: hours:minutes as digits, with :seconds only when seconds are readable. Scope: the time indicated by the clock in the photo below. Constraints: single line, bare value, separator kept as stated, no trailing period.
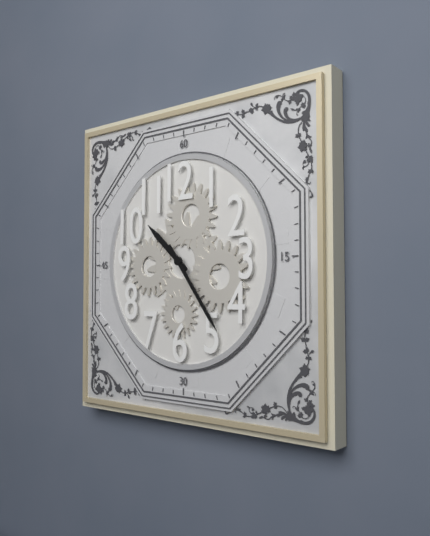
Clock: 10:24
